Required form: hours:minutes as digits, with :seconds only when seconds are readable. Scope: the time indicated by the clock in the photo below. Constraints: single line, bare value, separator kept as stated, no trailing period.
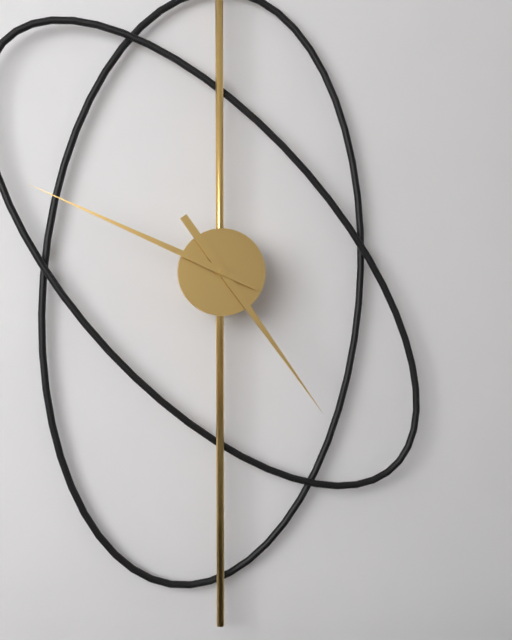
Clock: 4:49
